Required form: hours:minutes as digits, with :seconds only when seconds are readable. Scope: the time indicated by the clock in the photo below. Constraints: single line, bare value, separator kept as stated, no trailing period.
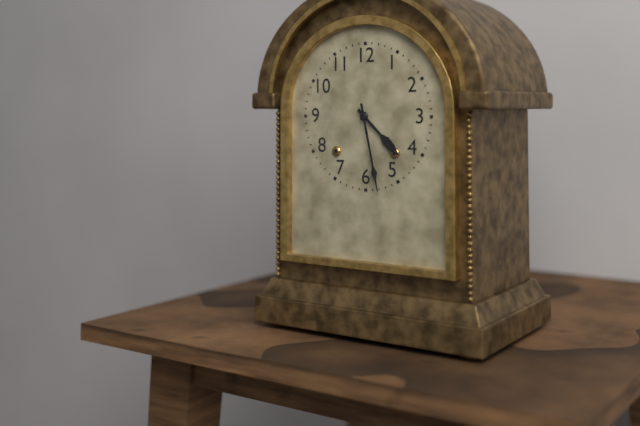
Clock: 4:28
